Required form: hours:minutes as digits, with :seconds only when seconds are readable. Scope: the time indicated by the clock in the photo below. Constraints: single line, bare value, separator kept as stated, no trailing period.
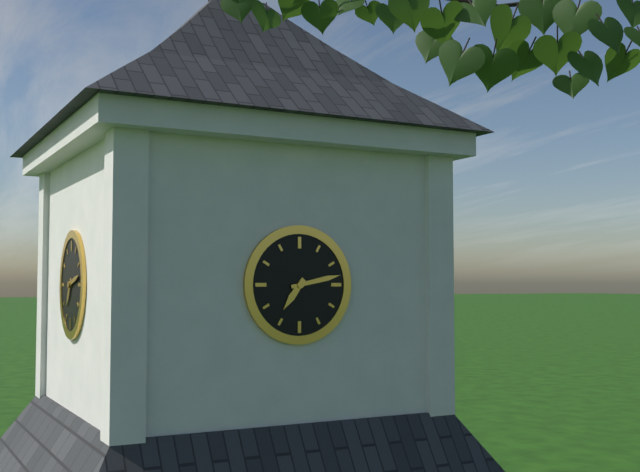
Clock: 7:13
